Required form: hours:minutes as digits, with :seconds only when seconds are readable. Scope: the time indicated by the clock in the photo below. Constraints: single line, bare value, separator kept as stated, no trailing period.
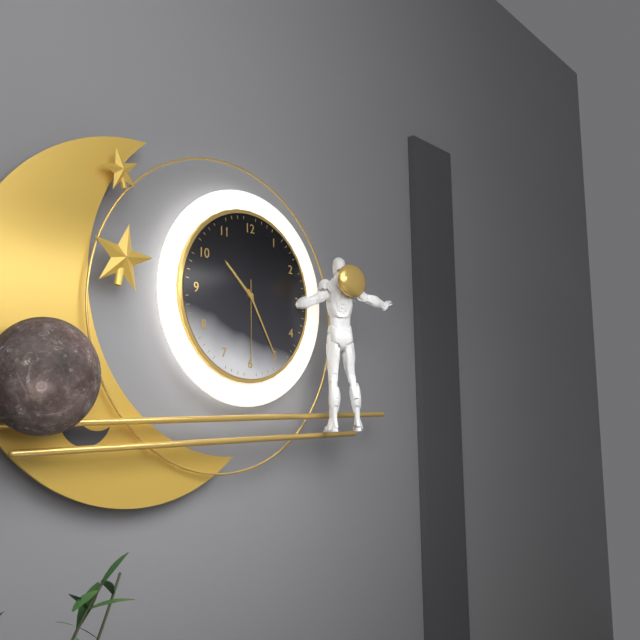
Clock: 10:25:30
